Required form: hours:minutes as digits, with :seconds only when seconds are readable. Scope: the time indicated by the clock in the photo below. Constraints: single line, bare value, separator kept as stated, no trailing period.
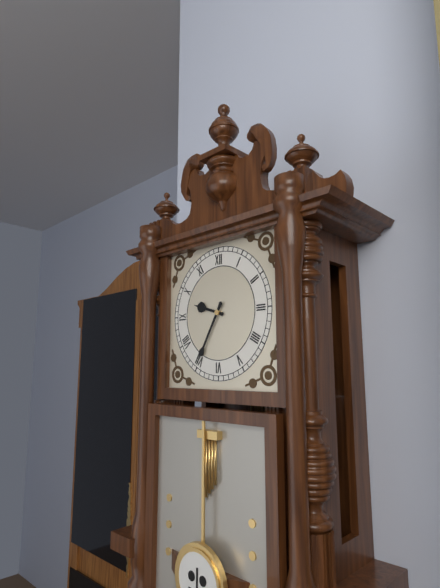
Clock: 9:35
